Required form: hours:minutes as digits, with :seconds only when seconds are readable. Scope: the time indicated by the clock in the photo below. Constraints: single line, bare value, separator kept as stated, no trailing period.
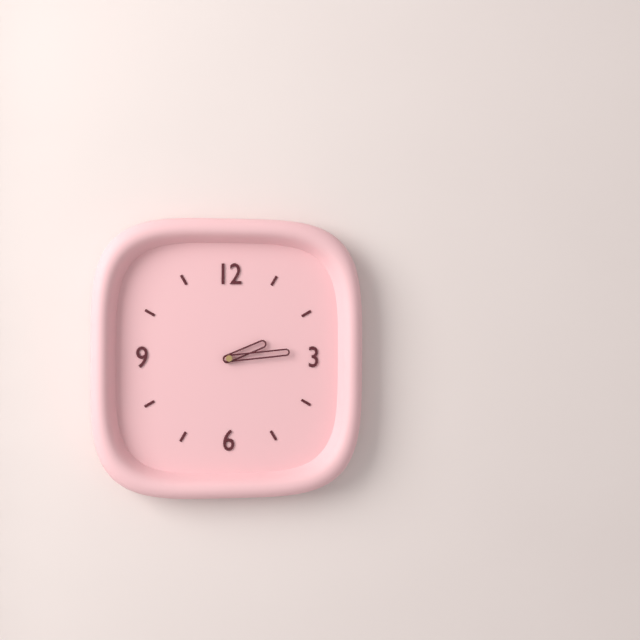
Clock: 2:14
